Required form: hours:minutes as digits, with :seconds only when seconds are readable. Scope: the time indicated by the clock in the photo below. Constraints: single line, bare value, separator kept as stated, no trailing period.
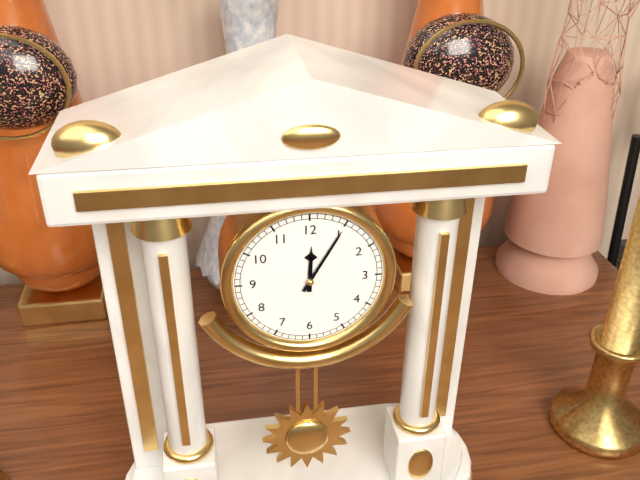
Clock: 12:05
